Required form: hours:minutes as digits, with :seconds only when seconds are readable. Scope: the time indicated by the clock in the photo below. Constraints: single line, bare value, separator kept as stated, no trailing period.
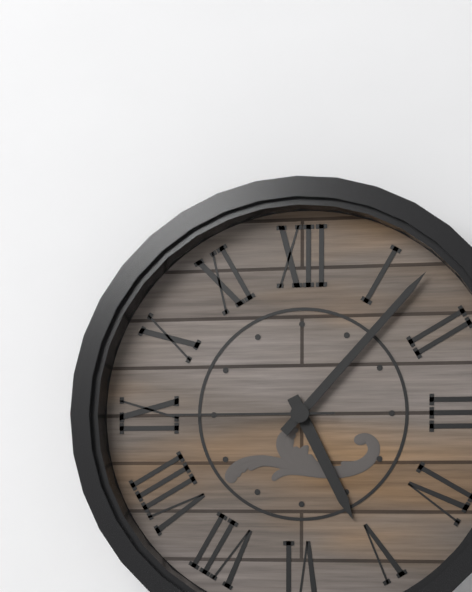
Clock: 5:07:45
